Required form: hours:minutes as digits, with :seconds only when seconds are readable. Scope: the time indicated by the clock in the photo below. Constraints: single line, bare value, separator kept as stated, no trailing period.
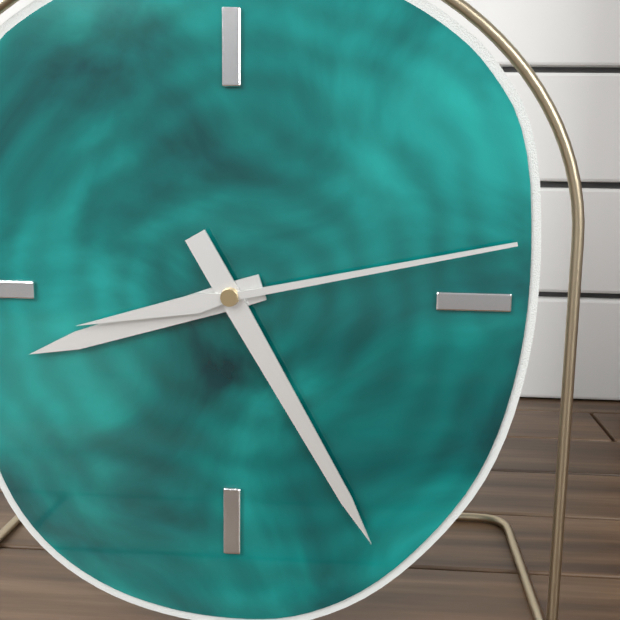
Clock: 8:25:13
